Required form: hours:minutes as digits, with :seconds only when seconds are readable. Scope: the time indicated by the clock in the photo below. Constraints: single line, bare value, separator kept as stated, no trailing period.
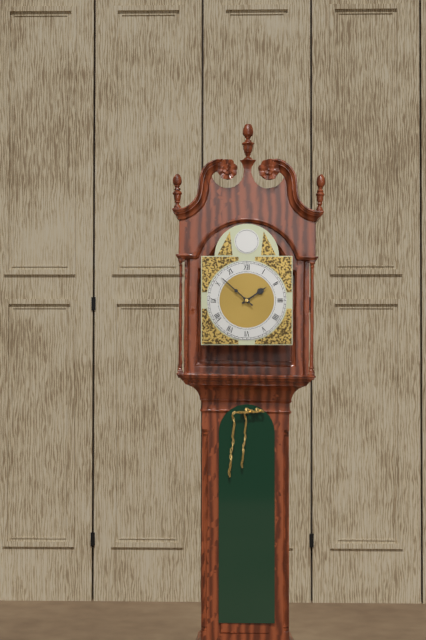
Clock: 1:52
